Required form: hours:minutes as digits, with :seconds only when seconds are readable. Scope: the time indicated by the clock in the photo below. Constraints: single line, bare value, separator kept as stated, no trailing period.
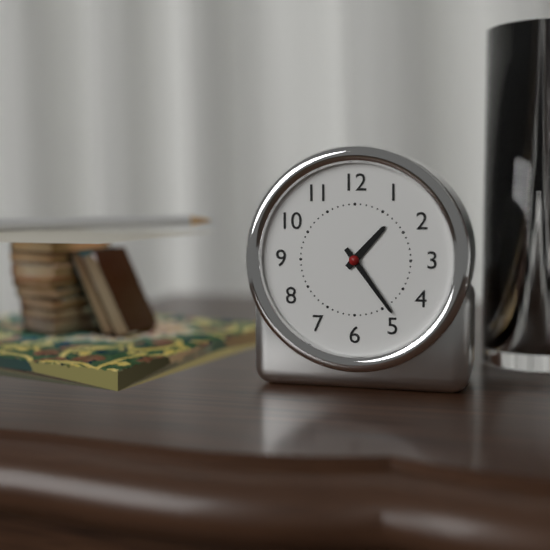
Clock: 1:24
